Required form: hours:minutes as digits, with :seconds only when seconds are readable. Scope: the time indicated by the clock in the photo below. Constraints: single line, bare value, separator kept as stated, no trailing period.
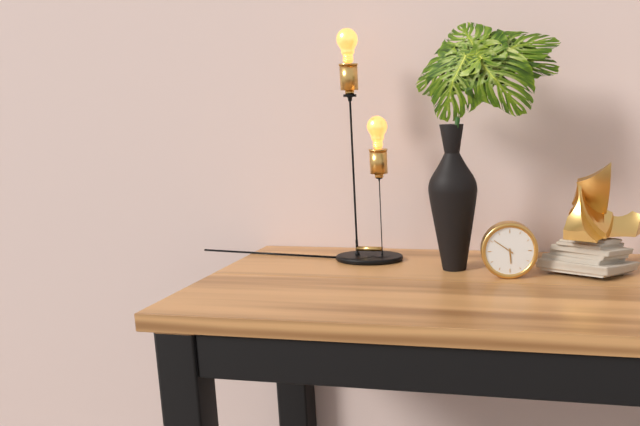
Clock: 5:51
